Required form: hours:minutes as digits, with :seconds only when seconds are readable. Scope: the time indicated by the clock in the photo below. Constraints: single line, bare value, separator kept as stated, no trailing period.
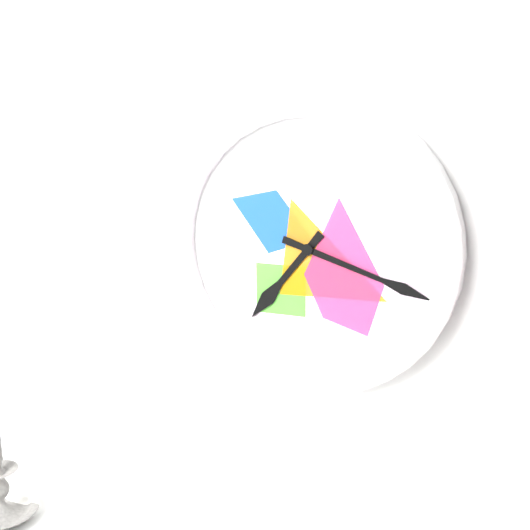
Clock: 7:18
